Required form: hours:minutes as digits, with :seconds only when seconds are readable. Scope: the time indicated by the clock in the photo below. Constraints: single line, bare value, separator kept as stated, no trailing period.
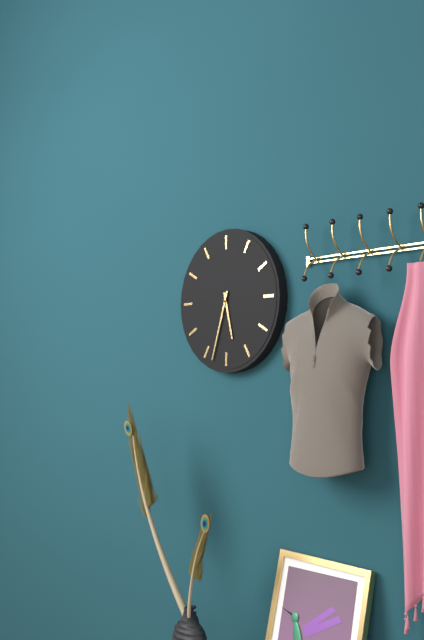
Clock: 5:33
